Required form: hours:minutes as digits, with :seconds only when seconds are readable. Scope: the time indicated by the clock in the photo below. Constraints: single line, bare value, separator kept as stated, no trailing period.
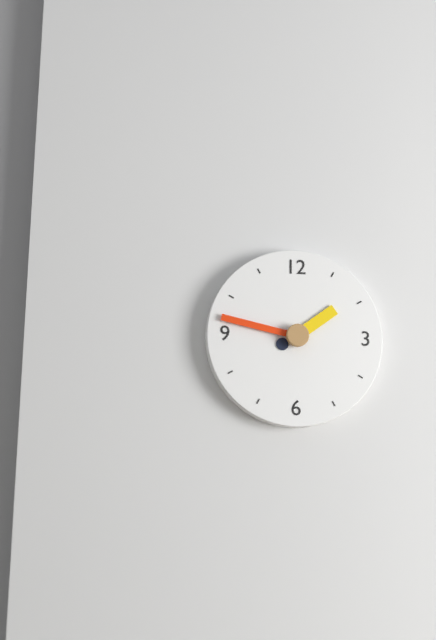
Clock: 1:47
